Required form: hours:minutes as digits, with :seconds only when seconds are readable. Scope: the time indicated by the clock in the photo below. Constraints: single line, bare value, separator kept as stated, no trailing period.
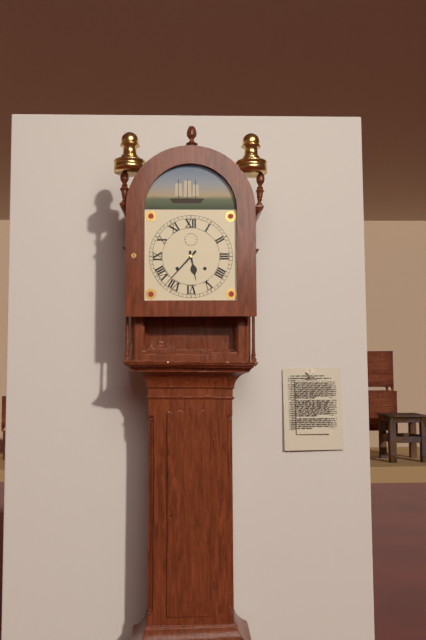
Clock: 5:37
